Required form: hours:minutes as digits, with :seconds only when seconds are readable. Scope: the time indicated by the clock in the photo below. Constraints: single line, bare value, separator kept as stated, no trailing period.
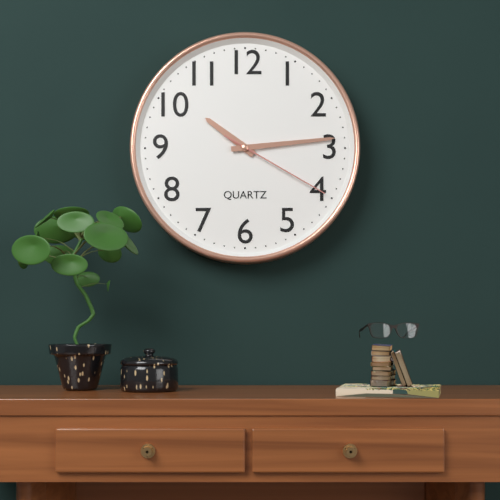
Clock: 10:14:20
